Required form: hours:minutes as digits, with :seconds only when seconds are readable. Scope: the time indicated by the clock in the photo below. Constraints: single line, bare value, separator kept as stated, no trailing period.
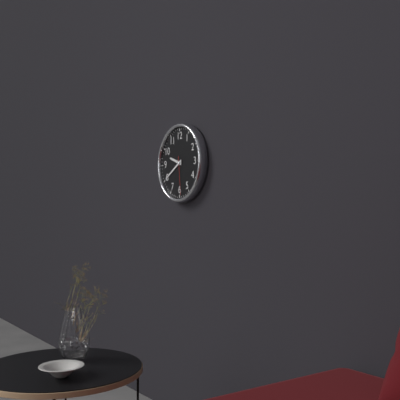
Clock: 9:40
